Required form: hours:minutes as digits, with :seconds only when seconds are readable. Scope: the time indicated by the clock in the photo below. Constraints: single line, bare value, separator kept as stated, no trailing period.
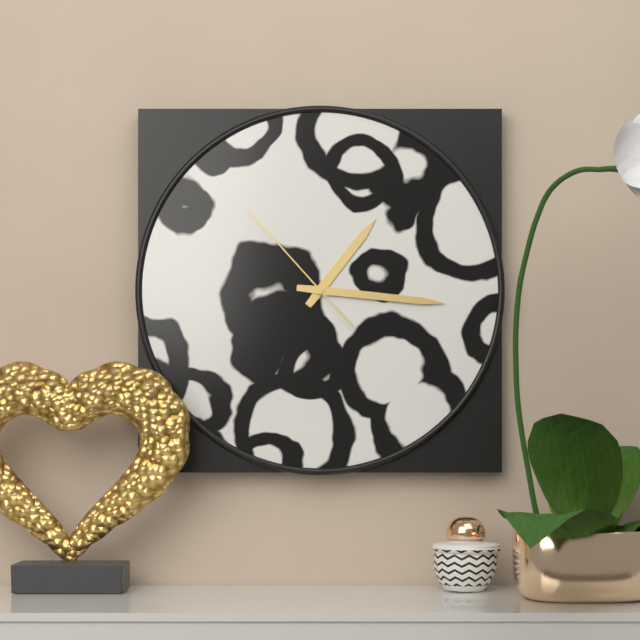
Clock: 1:16:53
